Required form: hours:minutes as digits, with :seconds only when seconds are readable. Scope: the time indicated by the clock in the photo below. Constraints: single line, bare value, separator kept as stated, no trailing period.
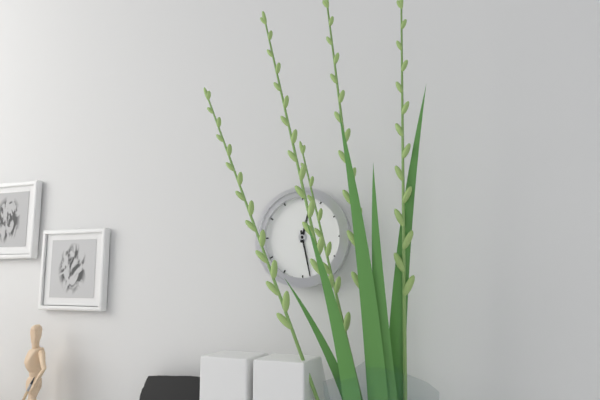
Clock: 12:28
